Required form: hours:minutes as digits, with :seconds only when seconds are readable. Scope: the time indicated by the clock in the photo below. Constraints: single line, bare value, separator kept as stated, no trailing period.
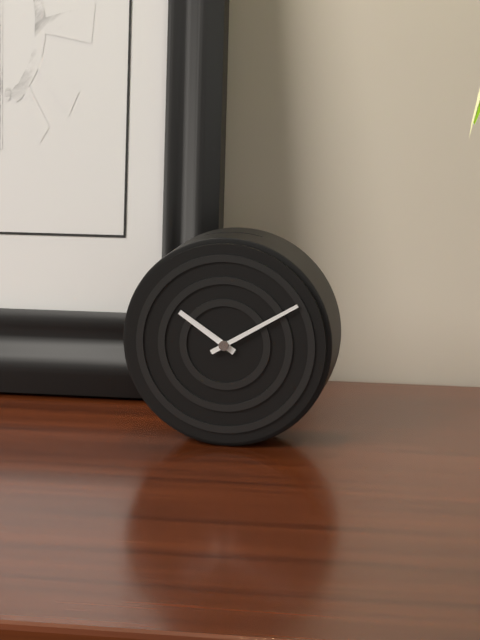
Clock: 10:10
